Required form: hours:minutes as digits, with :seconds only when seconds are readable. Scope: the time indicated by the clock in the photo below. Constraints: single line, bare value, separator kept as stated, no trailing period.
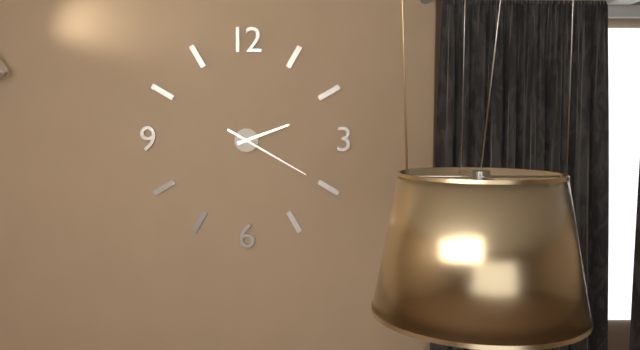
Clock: 2:20
